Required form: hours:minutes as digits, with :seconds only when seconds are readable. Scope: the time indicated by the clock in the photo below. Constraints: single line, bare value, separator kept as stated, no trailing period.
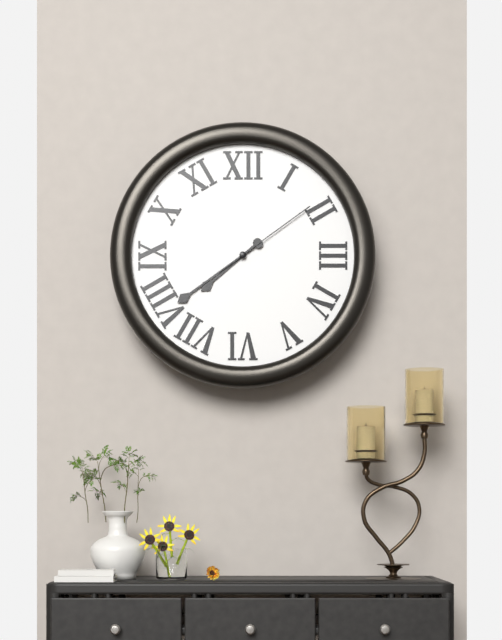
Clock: 7:39:09
